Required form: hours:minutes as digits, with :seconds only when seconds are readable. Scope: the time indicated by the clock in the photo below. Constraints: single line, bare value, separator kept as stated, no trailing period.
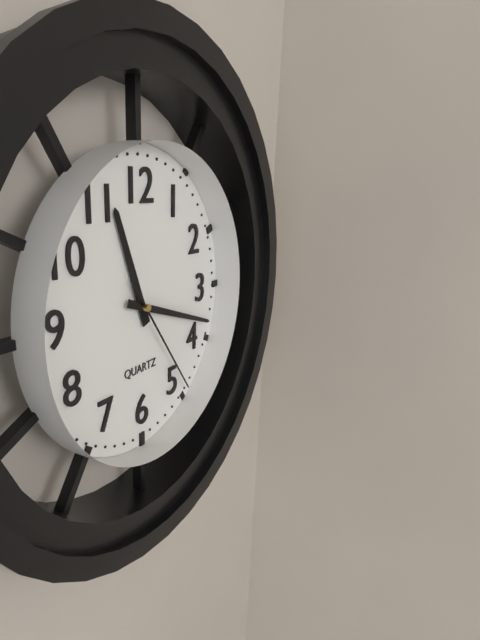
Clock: 11:18:24
